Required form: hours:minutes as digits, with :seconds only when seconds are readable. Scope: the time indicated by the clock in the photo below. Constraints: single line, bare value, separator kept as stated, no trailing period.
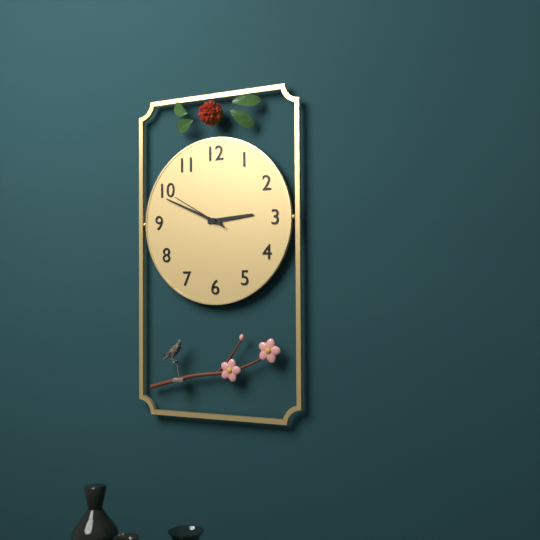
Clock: 2:49:50
